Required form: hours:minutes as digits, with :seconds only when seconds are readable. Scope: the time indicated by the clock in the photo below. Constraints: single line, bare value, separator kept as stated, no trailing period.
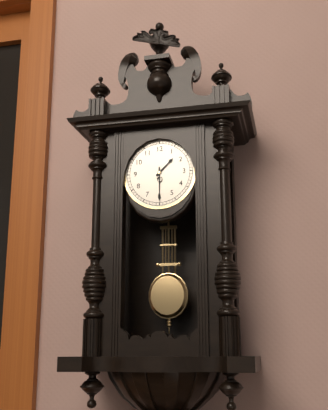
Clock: 1:30
